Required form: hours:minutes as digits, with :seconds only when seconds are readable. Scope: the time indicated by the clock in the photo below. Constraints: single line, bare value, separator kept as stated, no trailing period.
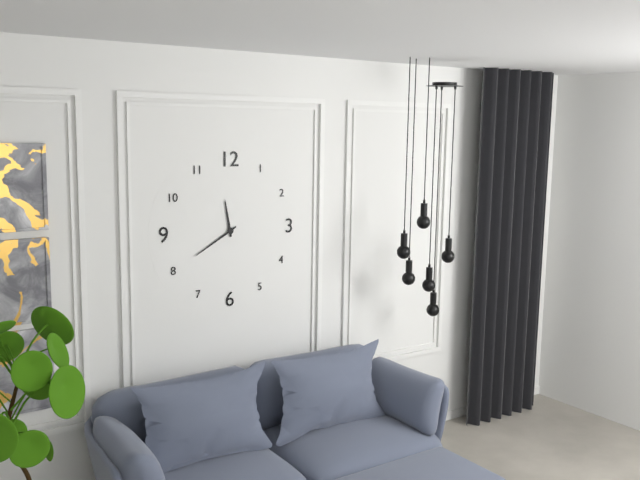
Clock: 11:40
